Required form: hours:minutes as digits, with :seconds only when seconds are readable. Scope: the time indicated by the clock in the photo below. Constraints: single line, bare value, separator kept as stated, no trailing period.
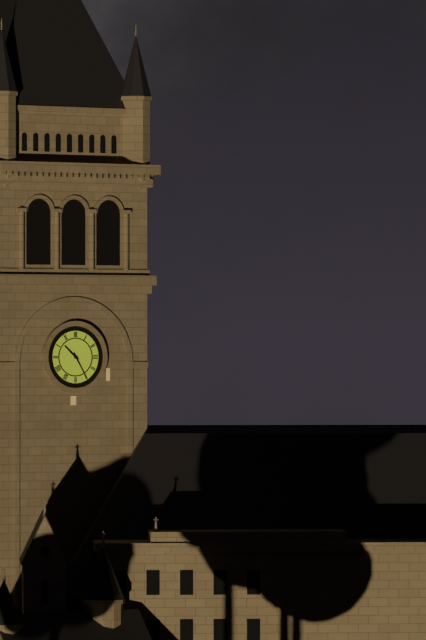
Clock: 10:25
